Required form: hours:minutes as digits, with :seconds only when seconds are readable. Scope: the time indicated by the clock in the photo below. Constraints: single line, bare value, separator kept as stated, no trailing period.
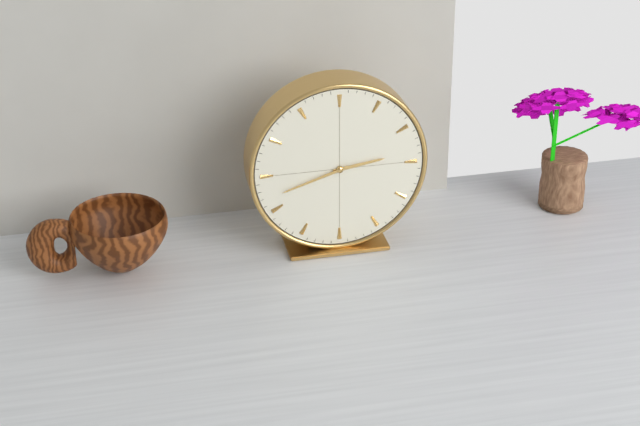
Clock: 2:42
